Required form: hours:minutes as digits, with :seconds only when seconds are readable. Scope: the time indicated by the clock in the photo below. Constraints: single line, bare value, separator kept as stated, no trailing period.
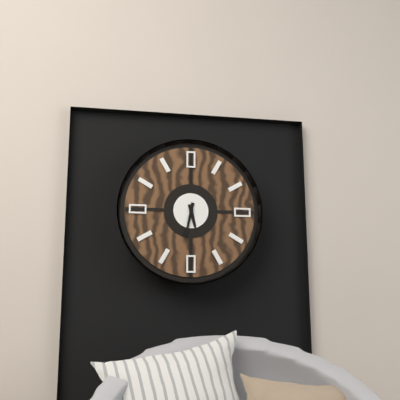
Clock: 5:32
